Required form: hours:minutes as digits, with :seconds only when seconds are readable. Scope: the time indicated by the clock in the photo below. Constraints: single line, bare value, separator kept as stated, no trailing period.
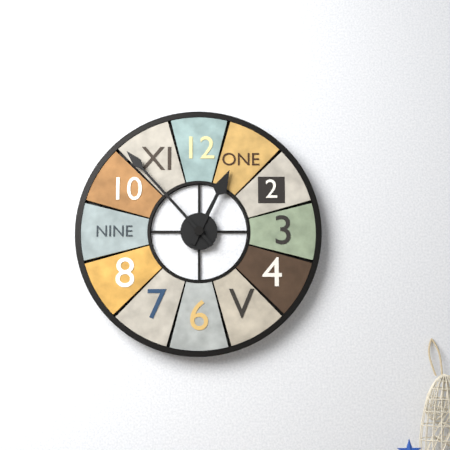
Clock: 12:53
